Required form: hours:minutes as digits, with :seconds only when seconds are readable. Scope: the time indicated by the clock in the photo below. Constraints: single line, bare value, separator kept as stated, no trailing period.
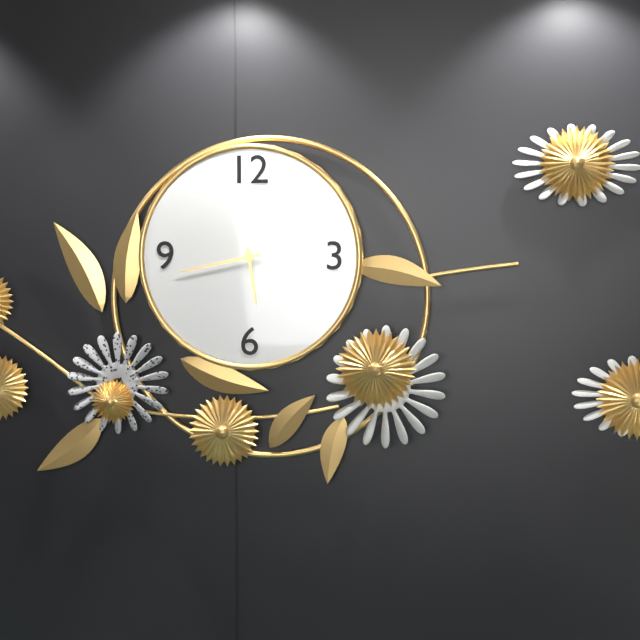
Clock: 5:43
